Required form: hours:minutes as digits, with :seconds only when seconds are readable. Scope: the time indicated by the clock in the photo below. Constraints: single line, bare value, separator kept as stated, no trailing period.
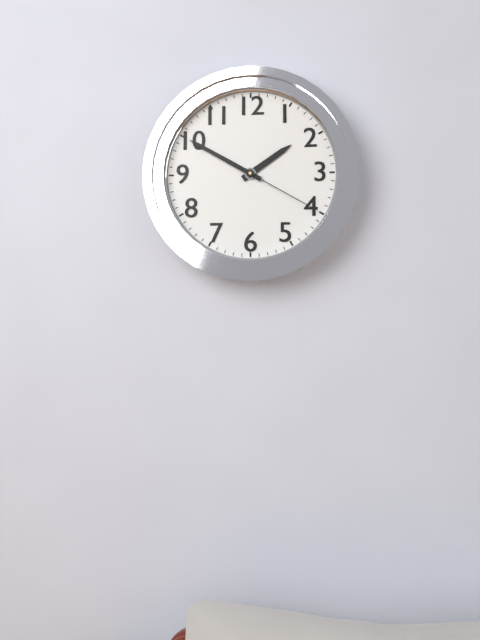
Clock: 1:50:20
